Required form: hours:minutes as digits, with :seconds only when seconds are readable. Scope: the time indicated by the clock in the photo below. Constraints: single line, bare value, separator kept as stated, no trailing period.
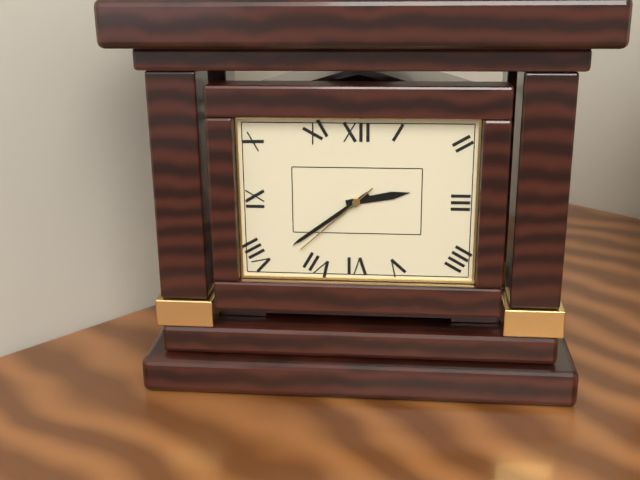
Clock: 2:39:38
